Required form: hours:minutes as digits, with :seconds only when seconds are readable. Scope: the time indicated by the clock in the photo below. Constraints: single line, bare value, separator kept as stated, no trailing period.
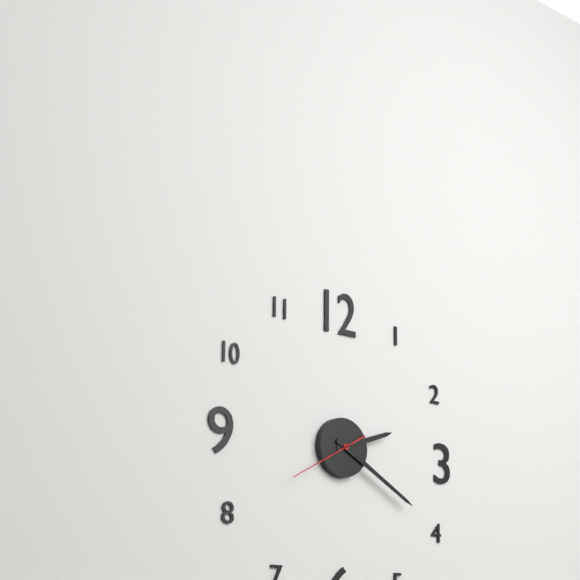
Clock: 2:20:40
